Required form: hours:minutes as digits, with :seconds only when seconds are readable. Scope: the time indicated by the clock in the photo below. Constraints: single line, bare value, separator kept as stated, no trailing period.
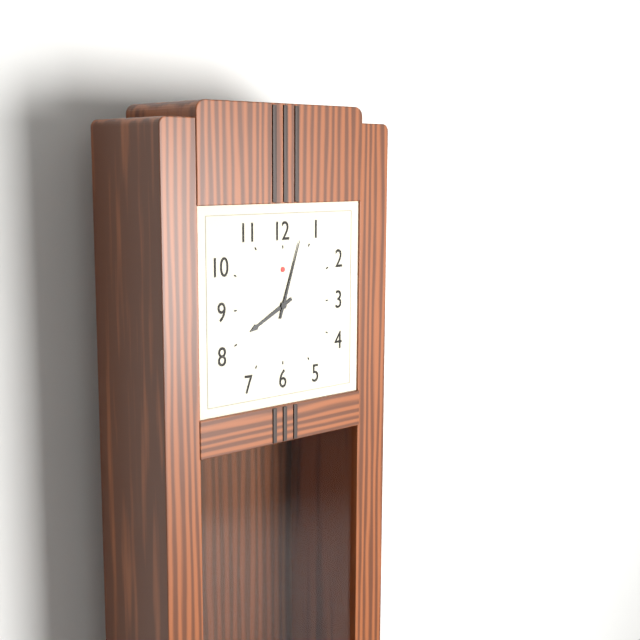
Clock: 8:03
